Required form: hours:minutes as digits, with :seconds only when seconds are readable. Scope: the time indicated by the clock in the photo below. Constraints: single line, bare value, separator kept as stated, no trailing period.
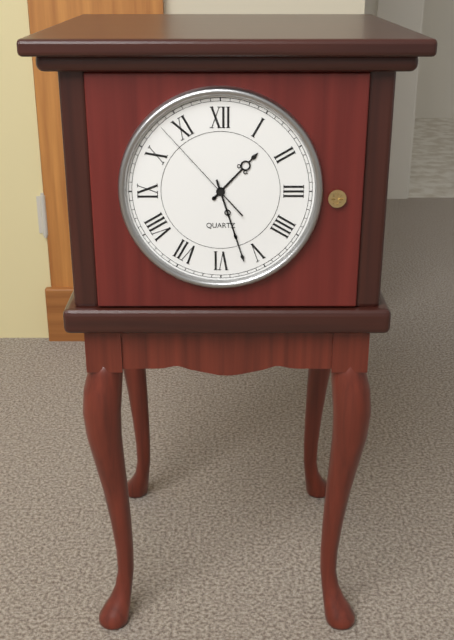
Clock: 1:27:53
